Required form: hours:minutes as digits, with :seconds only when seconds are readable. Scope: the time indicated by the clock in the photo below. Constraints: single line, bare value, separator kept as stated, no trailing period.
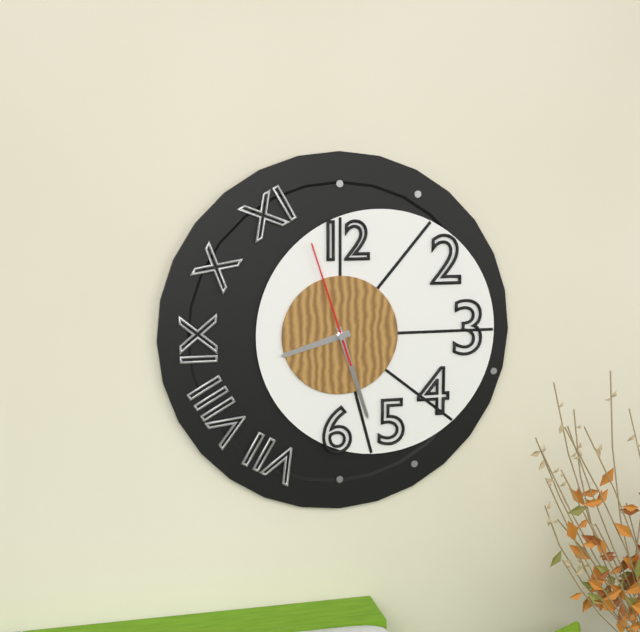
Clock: 8:27:57
